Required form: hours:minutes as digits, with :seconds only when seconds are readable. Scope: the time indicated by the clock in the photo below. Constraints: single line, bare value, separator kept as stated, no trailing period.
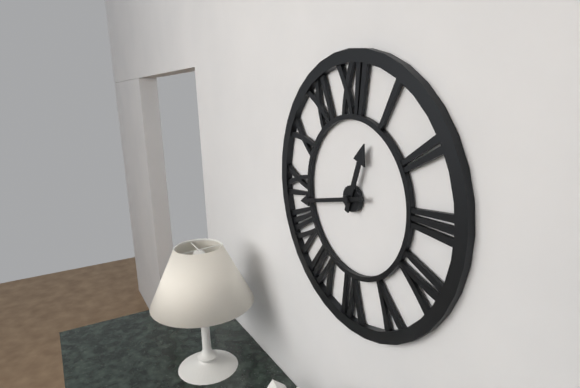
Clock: 12:43
